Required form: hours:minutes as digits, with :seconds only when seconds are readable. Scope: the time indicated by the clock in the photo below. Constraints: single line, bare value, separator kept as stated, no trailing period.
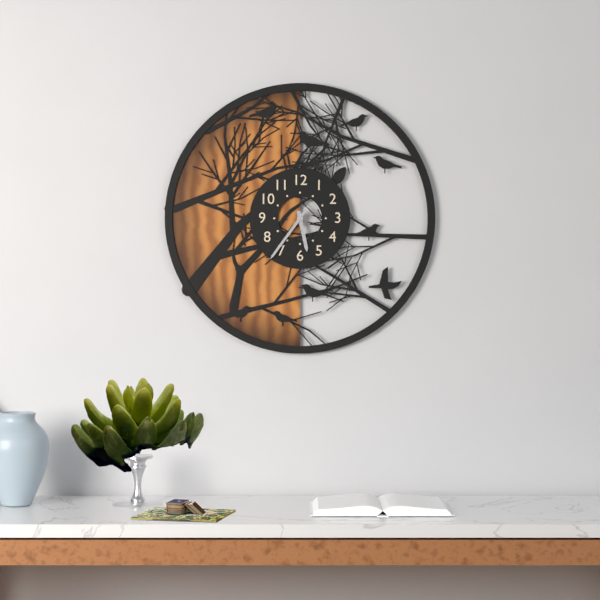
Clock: 5:36
